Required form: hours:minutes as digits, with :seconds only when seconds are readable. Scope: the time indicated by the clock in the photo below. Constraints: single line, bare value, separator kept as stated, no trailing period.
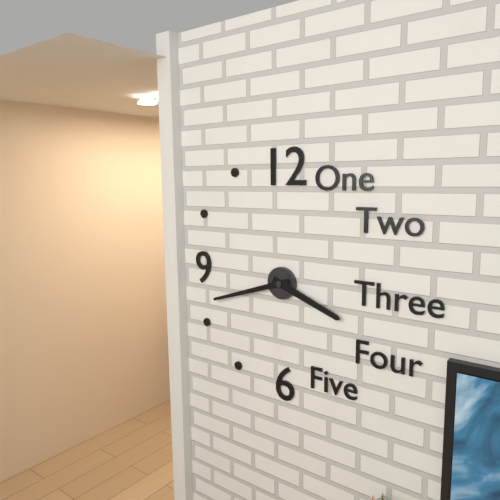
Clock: 3:42
